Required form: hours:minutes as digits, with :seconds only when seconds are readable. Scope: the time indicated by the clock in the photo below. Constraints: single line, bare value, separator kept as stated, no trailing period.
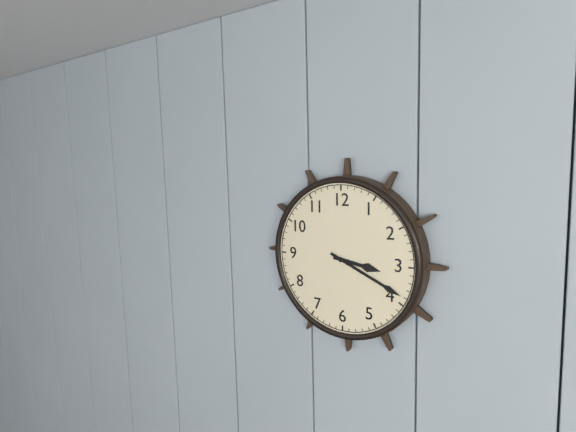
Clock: 3:19
